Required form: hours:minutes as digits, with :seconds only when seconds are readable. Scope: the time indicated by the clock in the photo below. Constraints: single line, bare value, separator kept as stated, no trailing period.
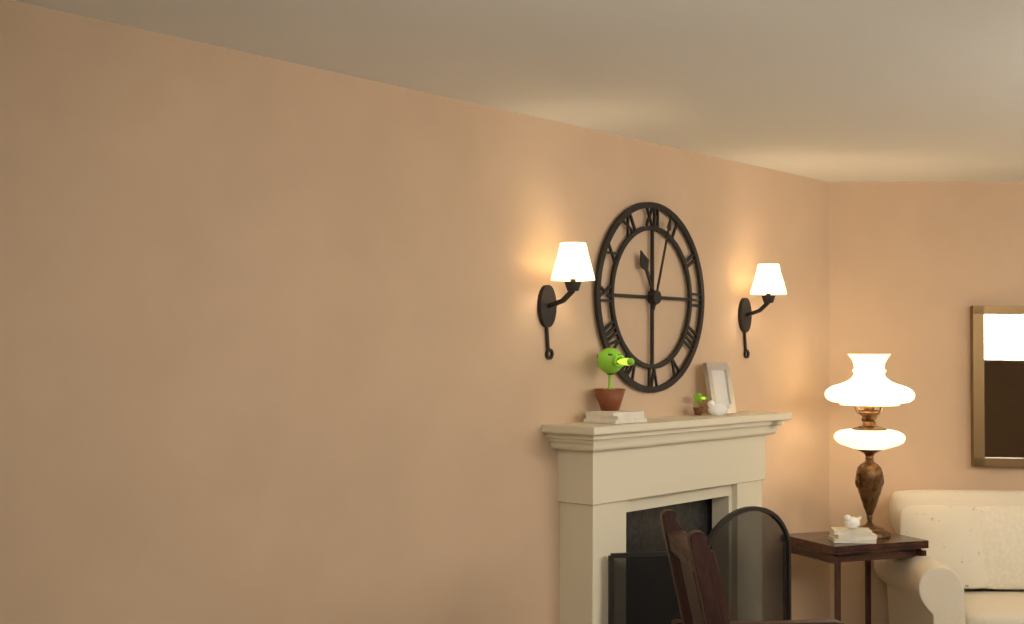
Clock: 11:03
